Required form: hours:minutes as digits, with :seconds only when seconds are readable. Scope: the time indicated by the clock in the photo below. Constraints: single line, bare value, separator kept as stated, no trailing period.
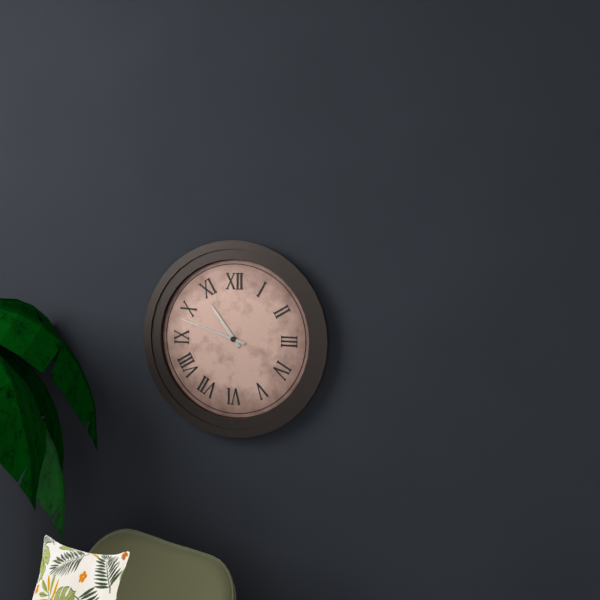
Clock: 10:48
